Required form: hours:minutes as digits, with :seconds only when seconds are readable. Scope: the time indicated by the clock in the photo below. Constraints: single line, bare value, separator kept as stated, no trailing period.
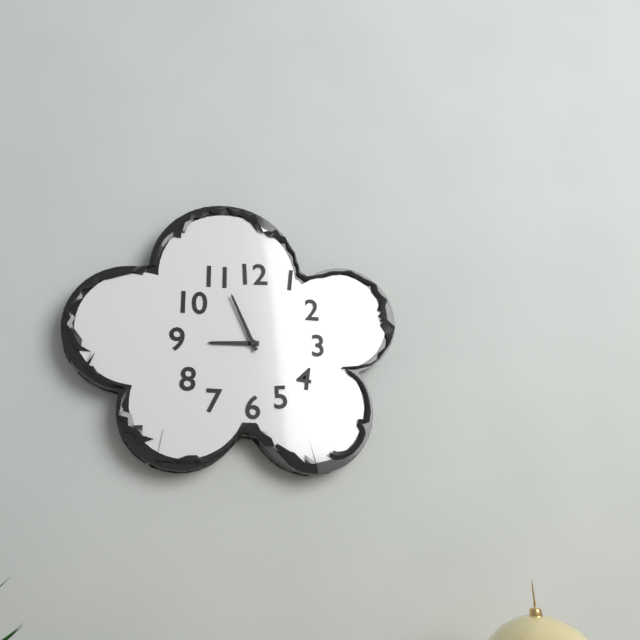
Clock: 8:56
